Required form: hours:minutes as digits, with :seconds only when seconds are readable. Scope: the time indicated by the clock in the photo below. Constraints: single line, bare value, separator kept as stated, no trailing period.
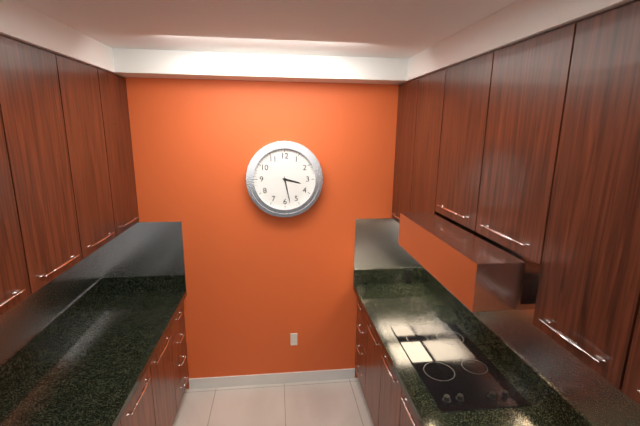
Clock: 3:28
